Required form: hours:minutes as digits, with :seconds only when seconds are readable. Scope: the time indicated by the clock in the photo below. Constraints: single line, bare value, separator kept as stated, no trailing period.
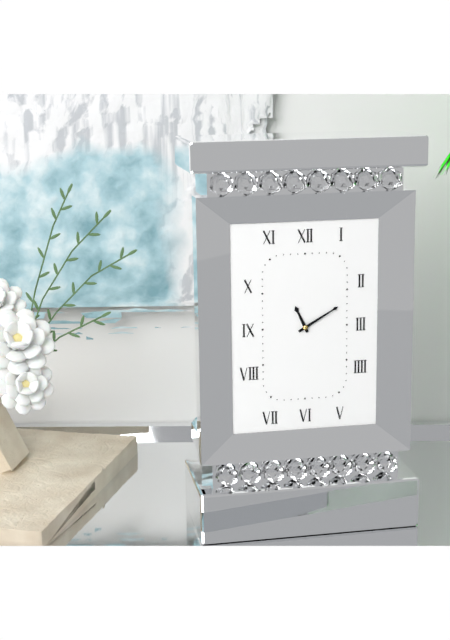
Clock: 11:10
